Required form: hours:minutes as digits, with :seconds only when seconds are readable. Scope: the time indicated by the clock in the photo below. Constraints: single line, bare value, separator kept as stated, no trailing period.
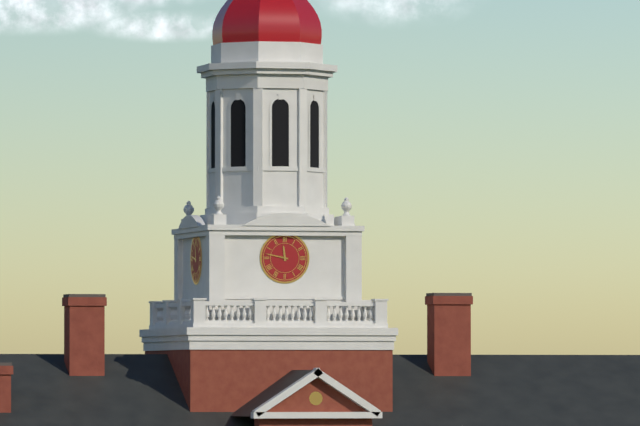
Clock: 11:47
